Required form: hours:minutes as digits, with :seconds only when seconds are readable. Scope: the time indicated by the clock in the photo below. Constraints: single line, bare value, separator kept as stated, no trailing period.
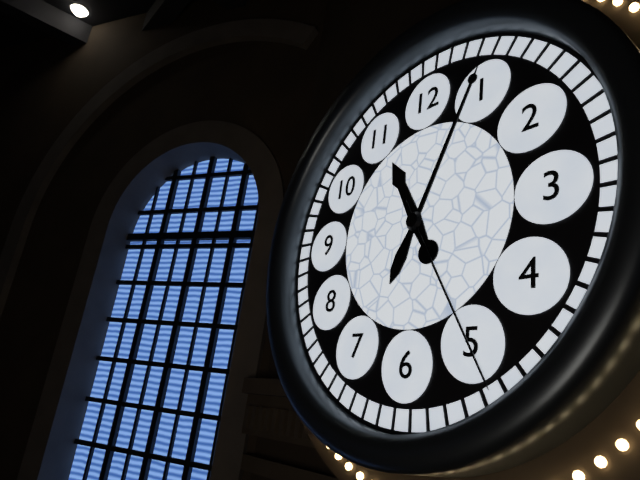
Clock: 11:04:25
